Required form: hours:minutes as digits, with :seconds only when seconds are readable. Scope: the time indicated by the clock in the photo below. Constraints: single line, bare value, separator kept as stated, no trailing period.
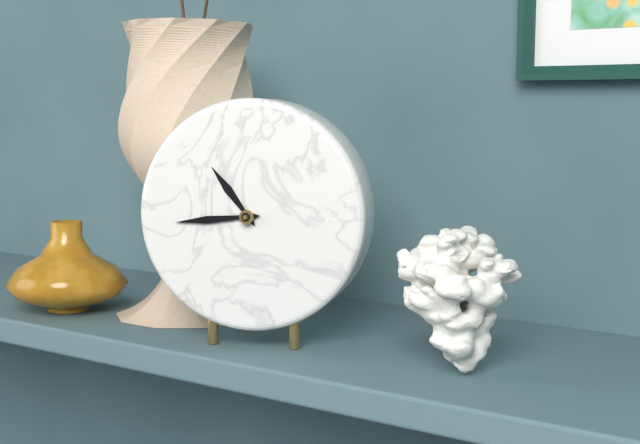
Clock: 10:44
